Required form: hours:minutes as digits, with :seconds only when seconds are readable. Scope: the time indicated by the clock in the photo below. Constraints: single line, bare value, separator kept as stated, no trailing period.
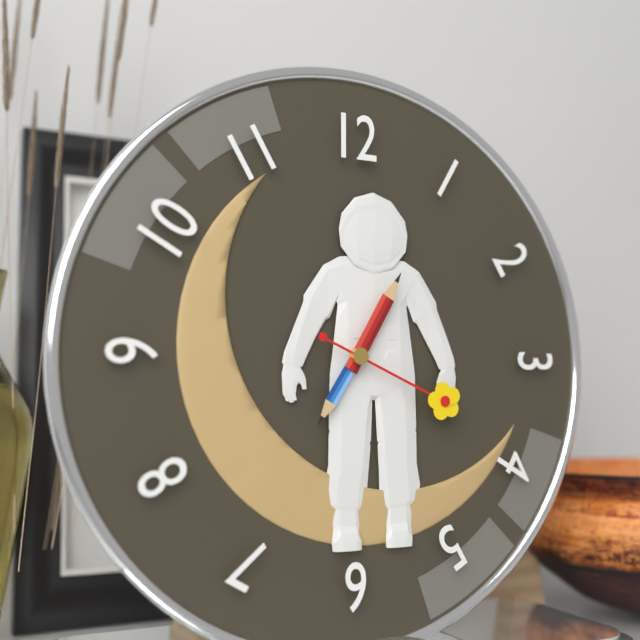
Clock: 7:05:19
